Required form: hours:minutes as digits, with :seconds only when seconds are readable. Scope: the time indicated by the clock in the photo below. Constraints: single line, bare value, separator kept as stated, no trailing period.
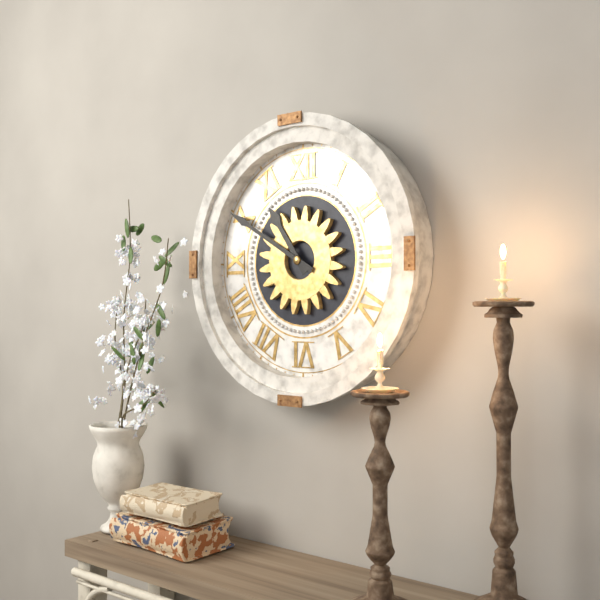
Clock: 10:50
